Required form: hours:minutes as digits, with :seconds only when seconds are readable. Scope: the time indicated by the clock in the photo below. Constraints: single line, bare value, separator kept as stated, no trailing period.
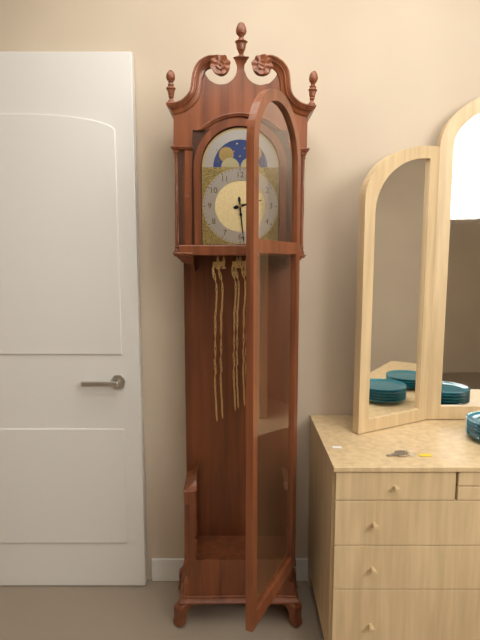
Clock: 2:29
